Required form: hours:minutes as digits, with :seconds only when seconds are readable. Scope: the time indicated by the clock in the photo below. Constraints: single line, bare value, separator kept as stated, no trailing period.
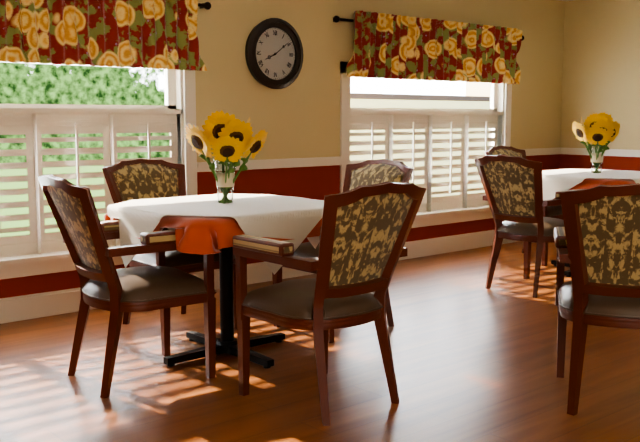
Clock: 8:09
